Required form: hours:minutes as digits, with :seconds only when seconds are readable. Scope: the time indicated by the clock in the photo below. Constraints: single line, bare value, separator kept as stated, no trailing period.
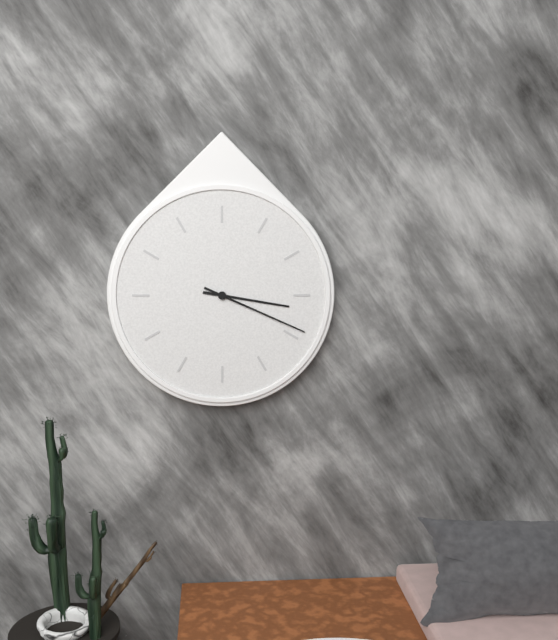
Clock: 3:19
